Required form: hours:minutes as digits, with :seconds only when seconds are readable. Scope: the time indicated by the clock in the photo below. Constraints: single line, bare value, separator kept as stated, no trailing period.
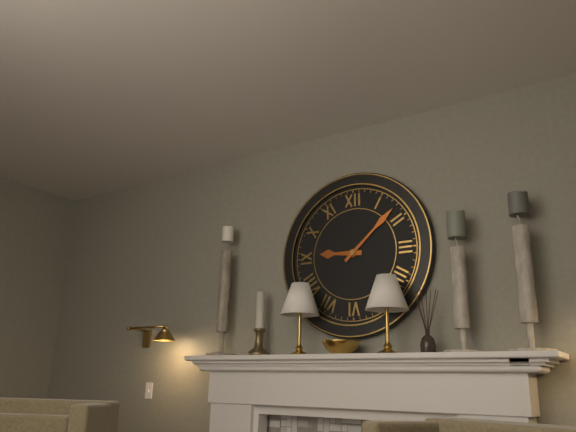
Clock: 9:08
